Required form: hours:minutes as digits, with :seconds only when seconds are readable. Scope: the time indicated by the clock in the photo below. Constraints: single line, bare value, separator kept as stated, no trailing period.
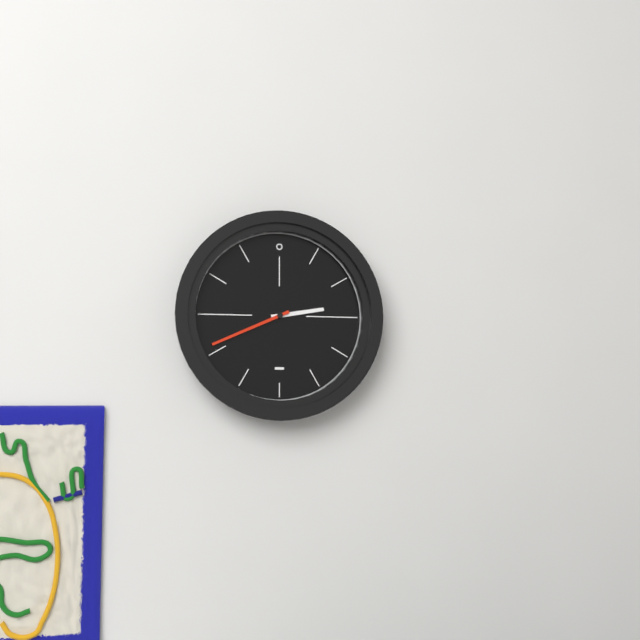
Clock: 2:41
